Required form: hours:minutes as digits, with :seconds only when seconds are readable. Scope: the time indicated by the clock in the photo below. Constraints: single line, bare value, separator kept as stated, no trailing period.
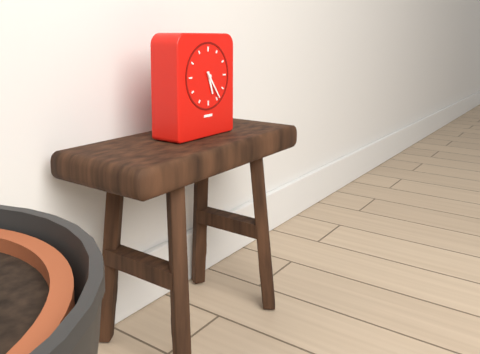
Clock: 5:24
